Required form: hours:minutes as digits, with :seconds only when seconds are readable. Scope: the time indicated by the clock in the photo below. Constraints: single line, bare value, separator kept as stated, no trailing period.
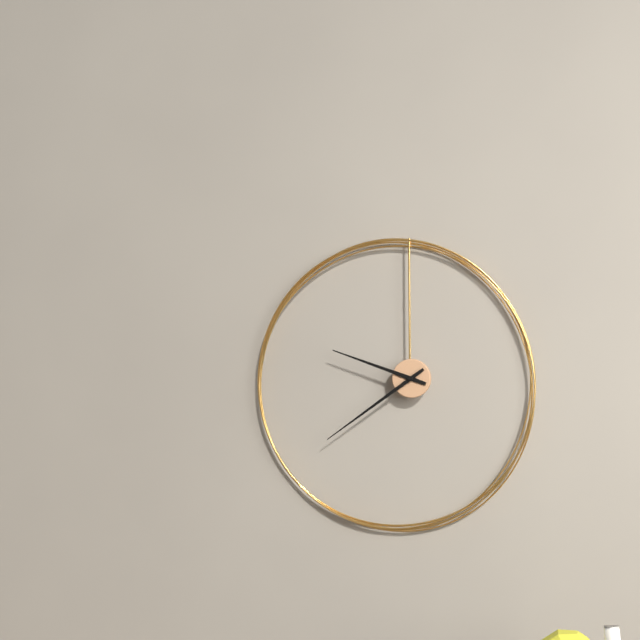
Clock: 9:39
